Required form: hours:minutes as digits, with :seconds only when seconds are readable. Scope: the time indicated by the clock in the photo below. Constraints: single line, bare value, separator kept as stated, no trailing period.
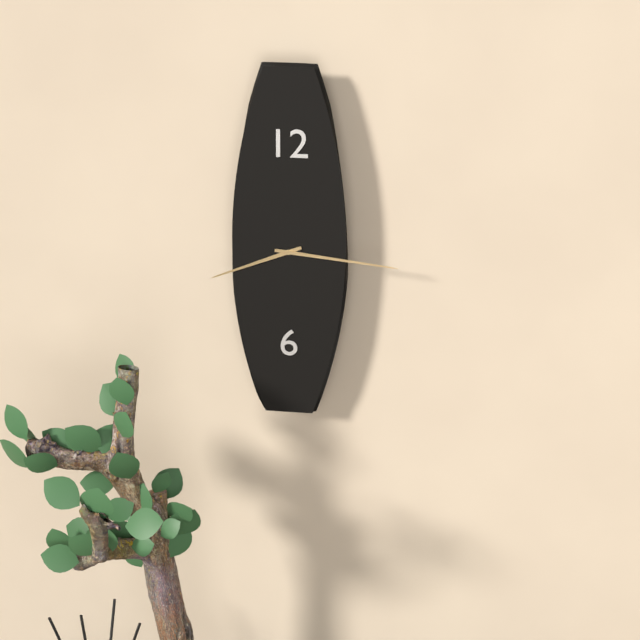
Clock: 8:16
